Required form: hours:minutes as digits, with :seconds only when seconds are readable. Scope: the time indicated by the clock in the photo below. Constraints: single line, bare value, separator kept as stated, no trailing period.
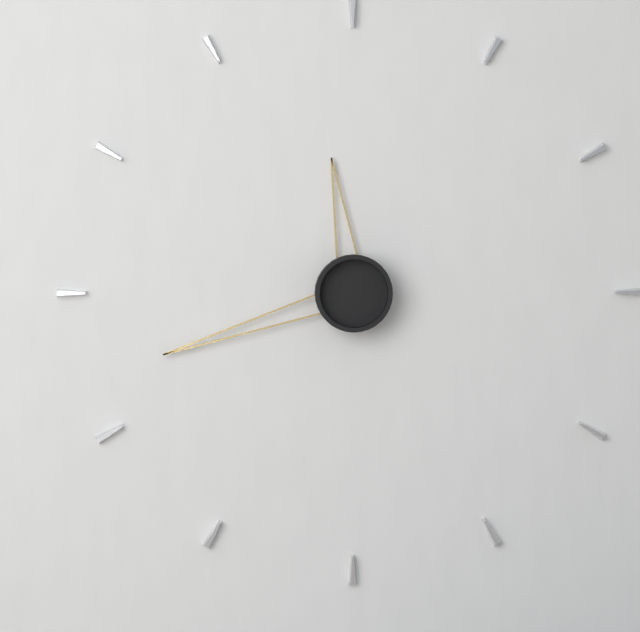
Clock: 11:42
